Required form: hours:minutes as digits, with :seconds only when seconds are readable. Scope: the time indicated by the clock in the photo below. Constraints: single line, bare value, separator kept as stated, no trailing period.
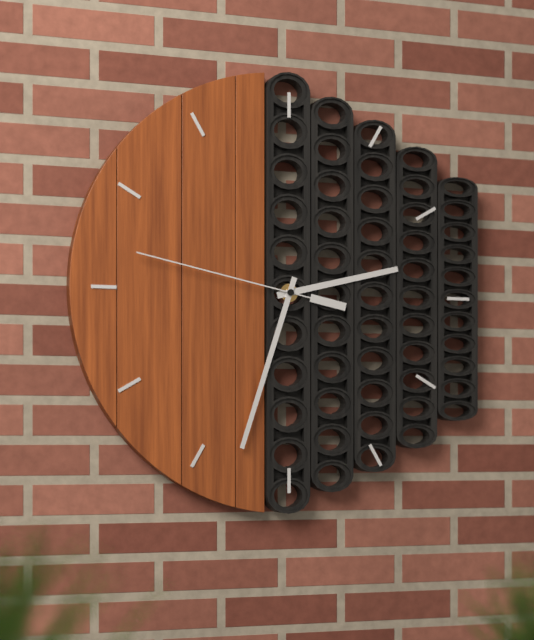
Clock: 2:33:47
